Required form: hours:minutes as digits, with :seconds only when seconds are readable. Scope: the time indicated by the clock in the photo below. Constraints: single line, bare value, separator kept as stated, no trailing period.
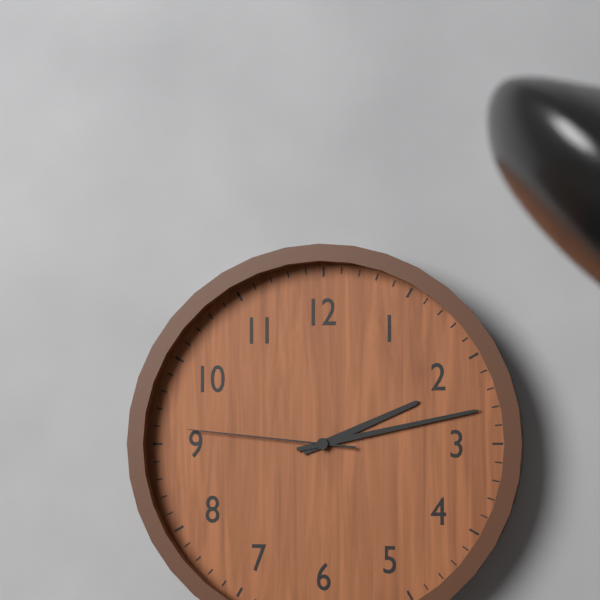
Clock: 2:13:46
